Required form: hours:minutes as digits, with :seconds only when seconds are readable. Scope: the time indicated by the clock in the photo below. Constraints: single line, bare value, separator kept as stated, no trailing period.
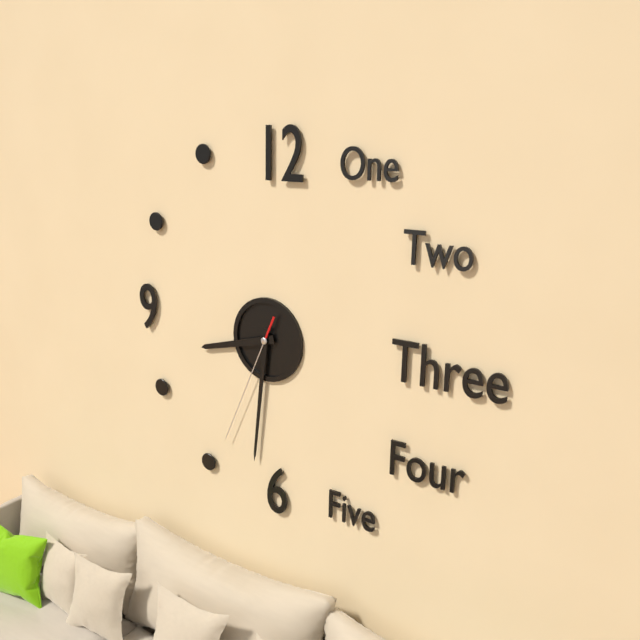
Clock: 8:31:34
